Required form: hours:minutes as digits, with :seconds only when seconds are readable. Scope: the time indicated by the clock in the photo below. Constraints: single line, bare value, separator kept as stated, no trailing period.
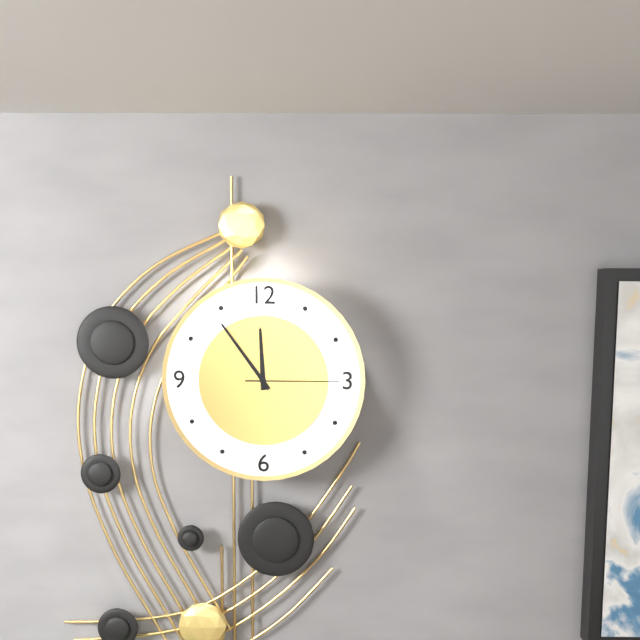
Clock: 11:54:15
